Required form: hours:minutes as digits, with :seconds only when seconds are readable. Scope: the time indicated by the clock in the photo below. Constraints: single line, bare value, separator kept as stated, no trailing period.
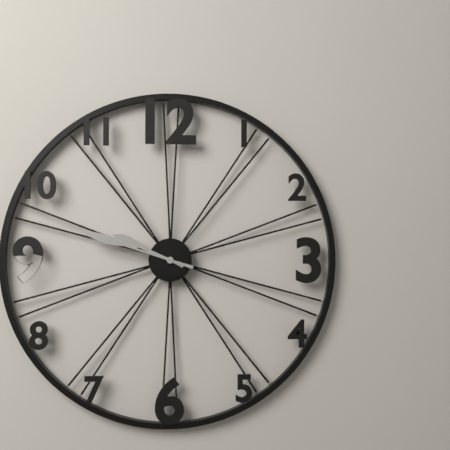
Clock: 9:48
